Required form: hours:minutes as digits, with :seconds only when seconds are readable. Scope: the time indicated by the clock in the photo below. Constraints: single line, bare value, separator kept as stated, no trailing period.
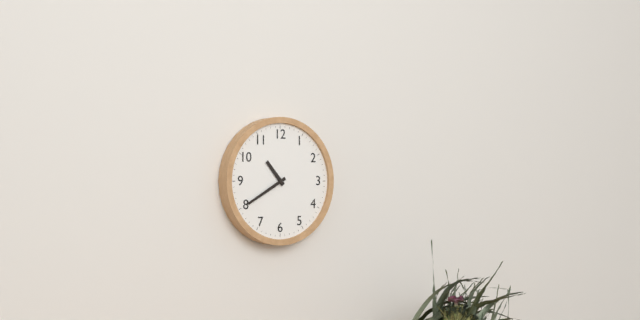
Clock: 10:40
